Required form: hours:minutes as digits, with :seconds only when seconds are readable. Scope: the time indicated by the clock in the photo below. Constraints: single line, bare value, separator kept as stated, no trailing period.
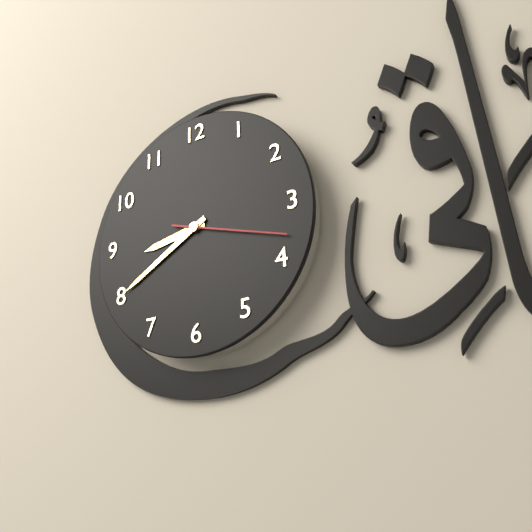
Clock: 8:40:18
